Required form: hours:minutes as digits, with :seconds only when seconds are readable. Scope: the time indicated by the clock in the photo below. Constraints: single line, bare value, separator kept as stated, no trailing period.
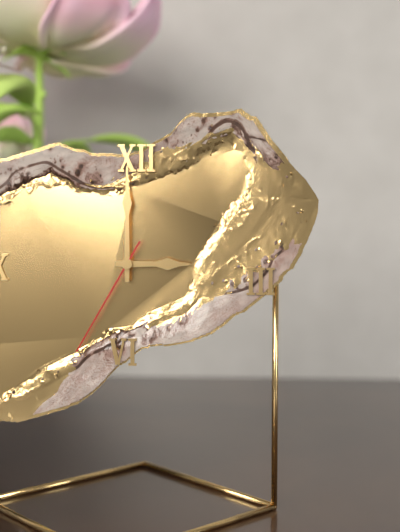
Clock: 3:00:35
